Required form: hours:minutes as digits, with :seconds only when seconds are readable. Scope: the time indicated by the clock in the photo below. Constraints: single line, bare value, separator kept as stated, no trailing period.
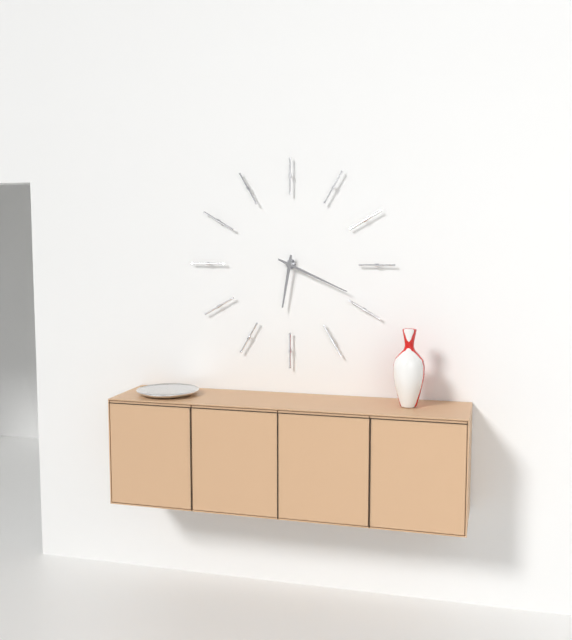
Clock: 6:19
